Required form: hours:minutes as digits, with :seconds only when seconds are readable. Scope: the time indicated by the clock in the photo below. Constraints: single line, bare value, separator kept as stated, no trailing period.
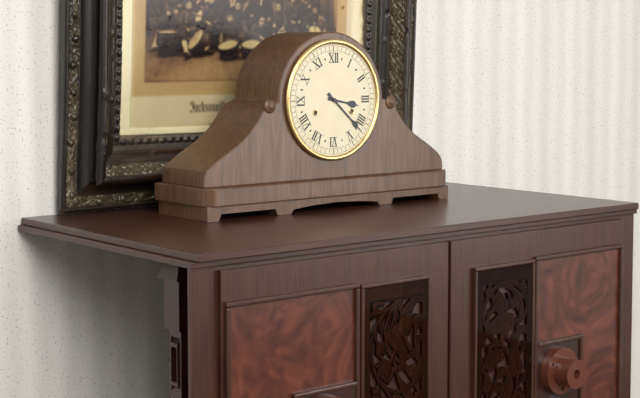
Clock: 3:22
